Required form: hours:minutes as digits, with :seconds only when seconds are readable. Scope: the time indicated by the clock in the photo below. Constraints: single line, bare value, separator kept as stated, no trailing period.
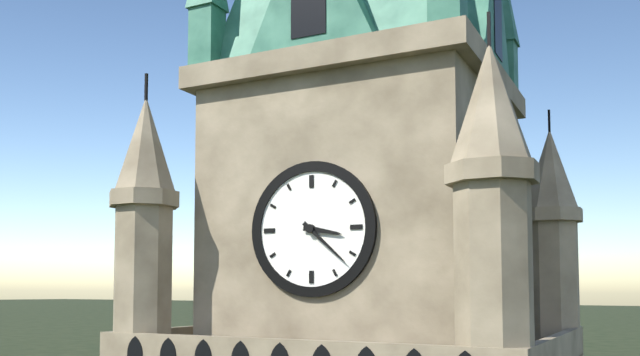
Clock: 3:22
